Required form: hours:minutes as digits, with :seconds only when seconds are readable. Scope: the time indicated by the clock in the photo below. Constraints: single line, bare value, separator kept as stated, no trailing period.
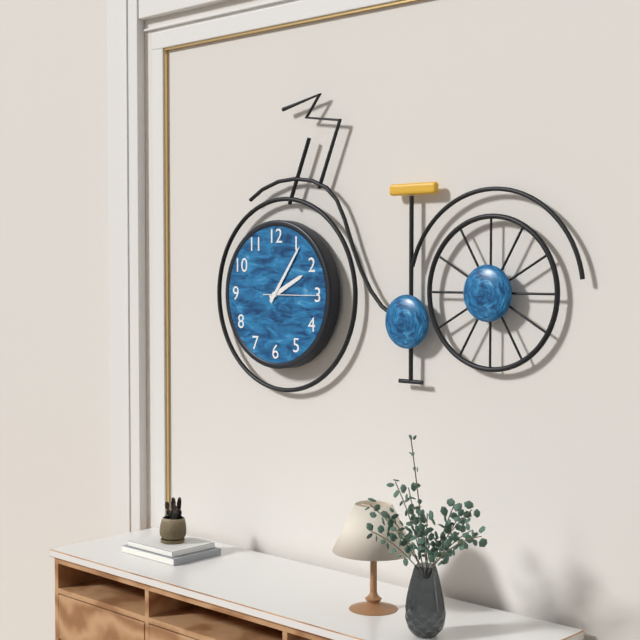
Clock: 2:06:15
